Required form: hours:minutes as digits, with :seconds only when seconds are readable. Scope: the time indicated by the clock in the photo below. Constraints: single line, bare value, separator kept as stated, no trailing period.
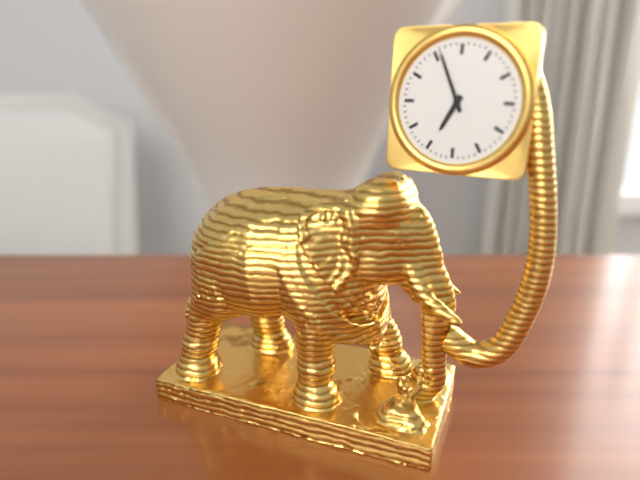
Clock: 6:56
